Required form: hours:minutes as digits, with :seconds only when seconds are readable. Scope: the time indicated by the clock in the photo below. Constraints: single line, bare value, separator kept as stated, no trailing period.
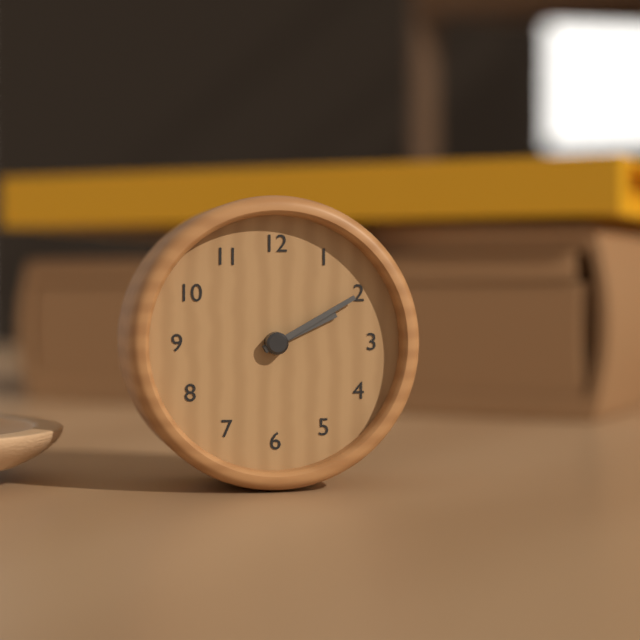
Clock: 2:10
